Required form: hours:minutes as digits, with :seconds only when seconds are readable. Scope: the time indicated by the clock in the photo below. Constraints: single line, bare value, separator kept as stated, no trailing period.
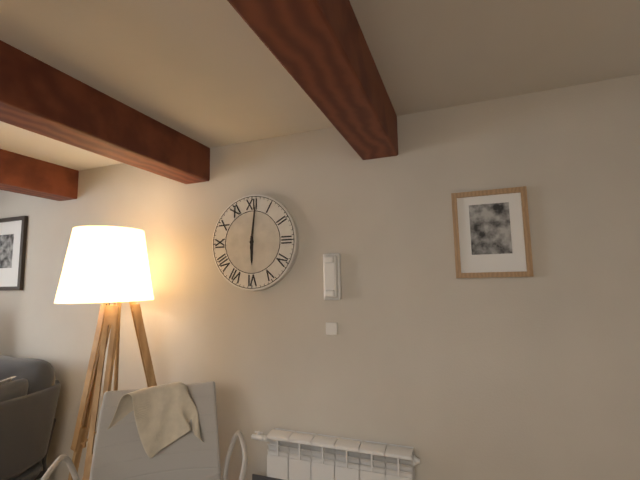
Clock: 6:01
